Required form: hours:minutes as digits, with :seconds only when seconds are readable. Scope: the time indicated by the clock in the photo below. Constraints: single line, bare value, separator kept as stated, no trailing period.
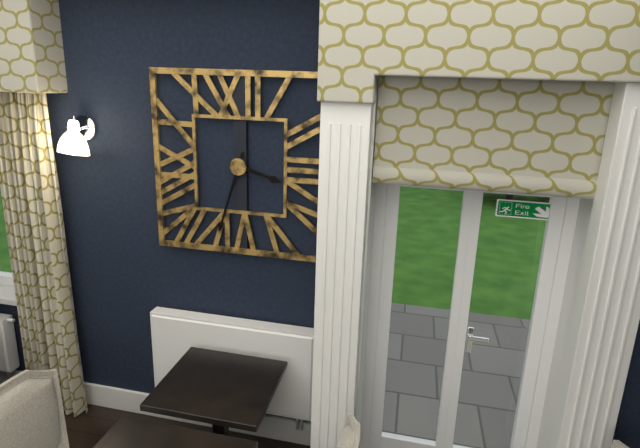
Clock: 3:33
